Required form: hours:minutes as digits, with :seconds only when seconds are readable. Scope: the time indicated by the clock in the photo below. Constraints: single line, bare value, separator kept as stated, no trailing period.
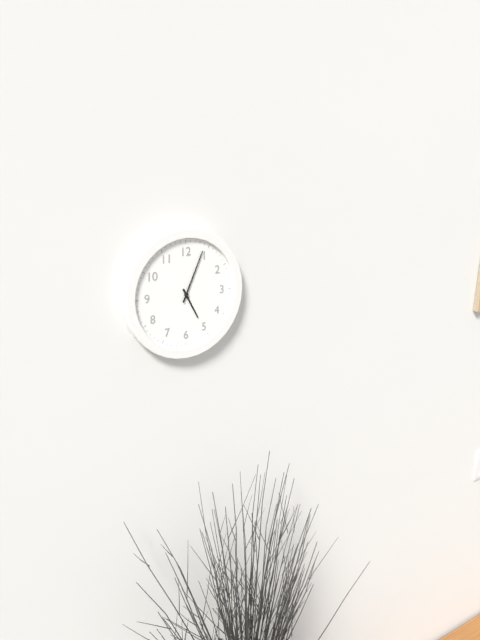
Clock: 5:04
